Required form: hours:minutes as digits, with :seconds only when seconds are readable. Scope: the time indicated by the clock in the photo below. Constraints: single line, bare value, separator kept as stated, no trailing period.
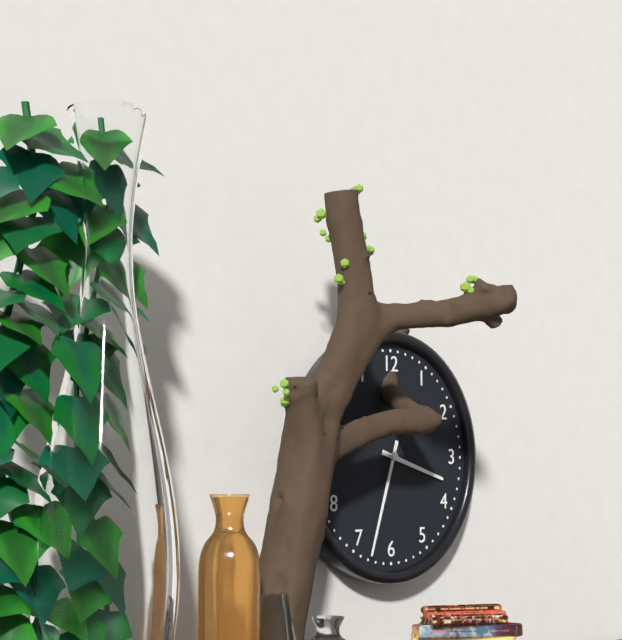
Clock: 3:33
